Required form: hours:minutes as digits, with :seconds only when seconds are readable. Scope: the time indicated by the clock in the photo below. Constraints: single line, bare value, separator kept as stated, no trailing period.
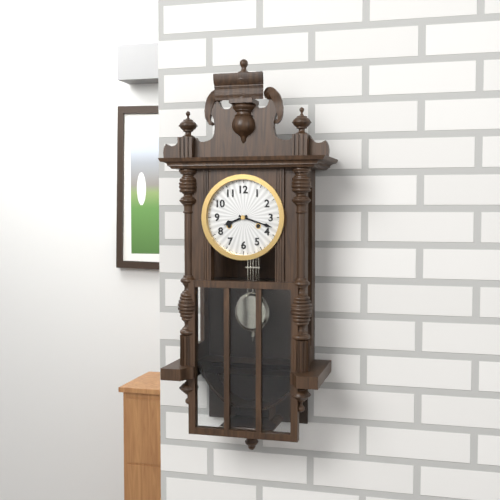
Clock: 8:18
